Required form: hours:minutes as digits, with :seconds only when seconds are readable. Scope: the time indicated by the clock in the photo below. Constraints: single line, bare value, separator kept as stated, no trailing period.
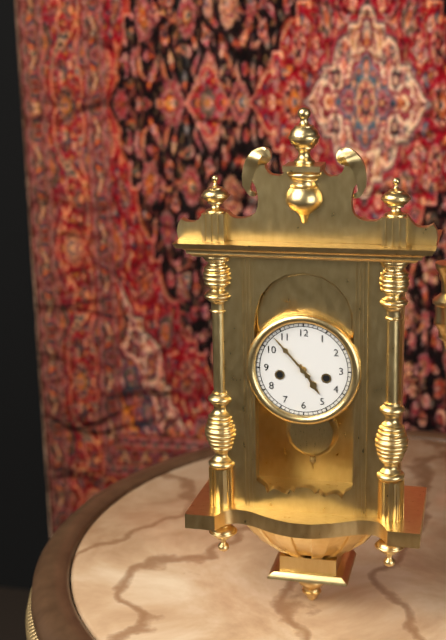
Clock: 4:53
